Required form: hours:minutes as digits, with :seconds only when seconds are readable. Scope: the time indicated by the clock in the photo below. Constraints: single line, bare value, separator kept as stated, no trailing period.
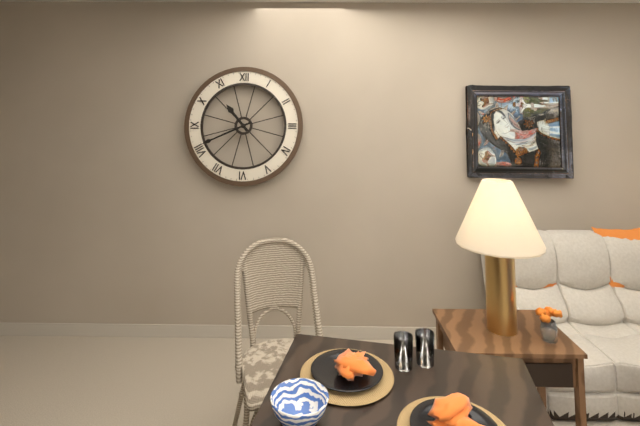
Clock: 10:41
